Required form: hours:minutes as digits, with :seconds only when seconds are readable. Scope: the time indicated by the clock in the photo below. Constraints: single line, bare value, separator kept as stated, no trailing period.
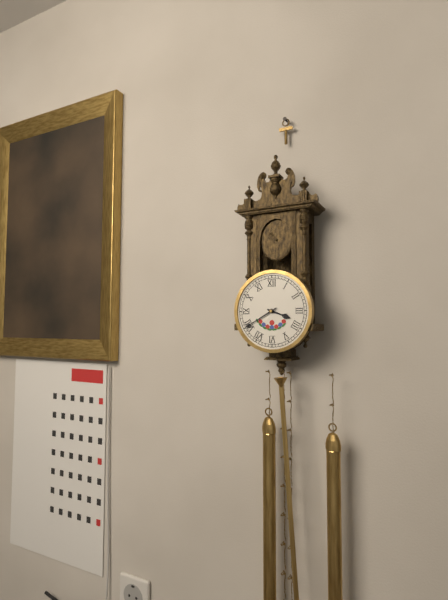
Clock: 3:40
